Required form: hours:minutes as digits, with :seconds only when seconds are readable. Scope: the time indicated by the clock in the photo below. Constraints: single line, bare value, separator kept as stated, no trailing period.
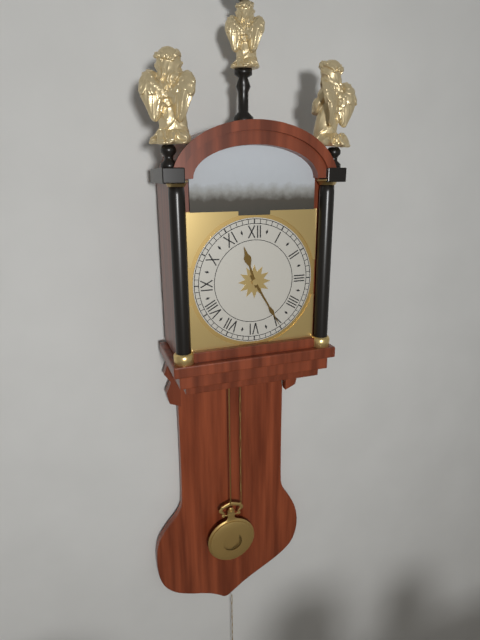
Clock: 11:25
